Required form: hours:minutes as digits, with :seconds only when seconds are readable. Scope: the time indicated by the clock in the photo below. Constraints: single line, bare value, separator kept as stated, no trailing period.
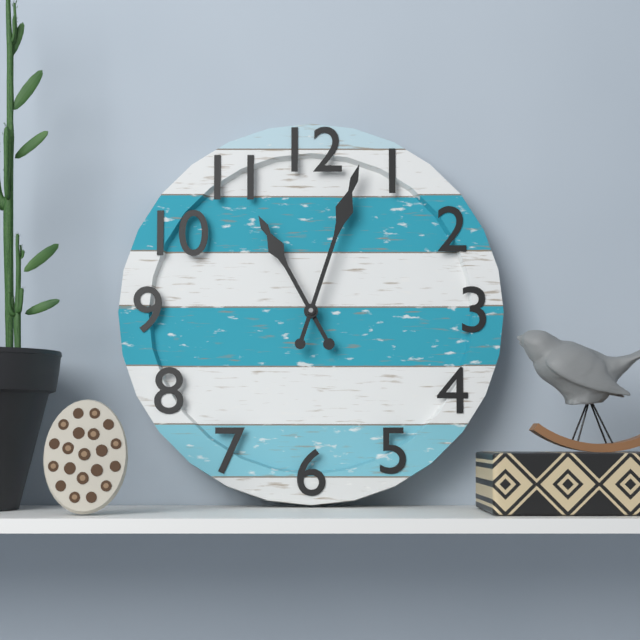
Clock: 11:03
